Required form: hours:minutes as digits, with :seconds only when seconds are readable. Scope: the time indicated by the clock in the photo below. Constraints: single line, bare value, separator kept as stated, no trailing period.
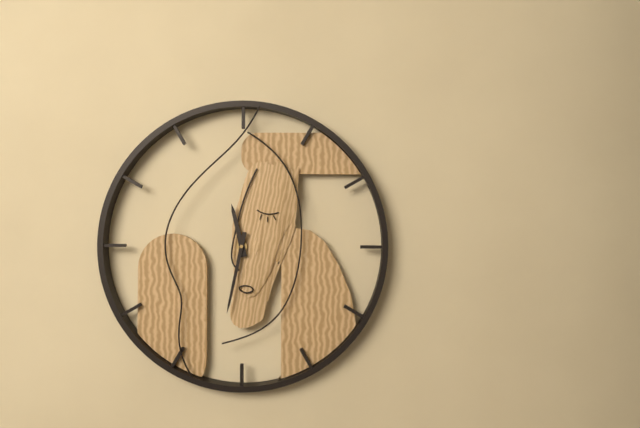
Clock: 11:32
